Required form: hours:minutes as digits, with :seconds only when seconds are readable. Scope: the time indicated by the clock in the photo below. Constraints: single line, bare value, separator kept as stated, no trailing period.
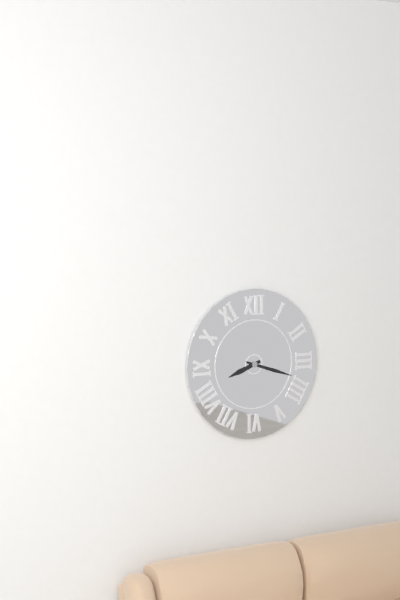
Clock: 8:18
